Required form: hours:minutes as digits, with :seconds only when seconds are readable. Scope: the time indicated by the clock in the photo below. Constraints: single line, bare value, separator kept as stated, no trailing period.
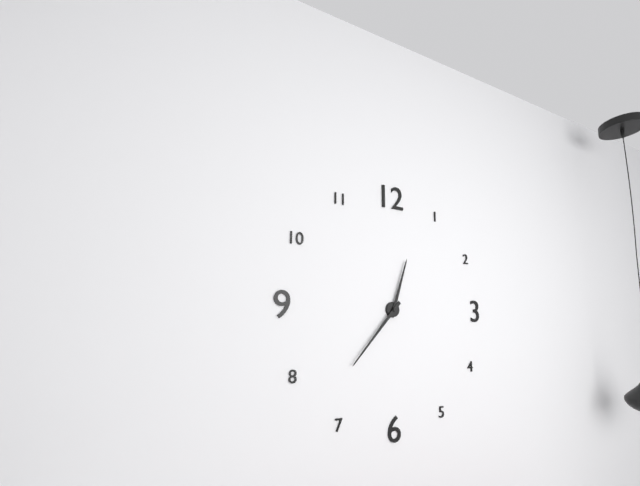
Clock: 12:37
